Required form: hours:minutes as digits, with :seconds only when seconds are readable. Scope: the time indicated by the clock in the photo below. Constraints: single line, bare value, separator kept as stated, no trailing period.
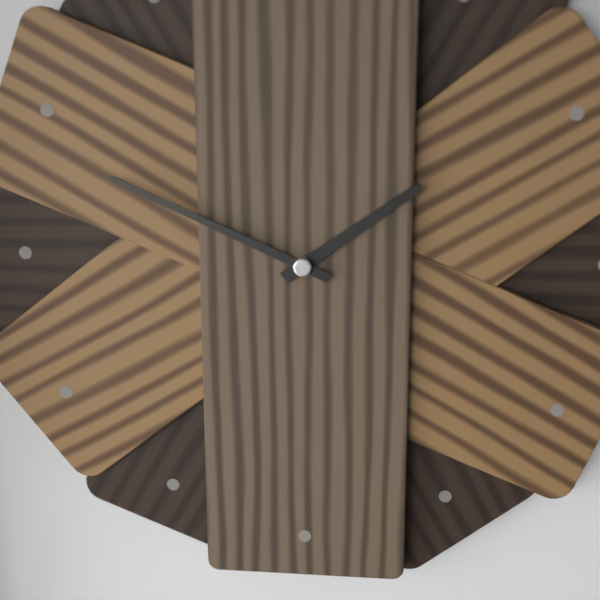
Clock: 1:49
